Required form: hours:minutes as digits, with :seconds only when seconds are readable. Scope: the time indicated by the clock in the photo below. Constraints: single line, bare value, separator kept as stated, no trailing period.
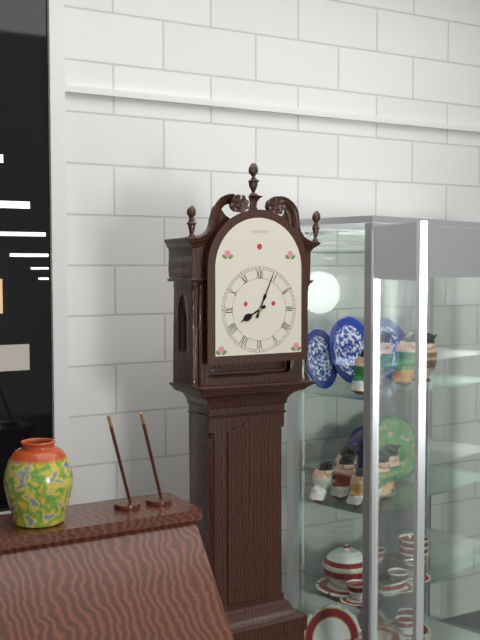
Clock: 8:04
